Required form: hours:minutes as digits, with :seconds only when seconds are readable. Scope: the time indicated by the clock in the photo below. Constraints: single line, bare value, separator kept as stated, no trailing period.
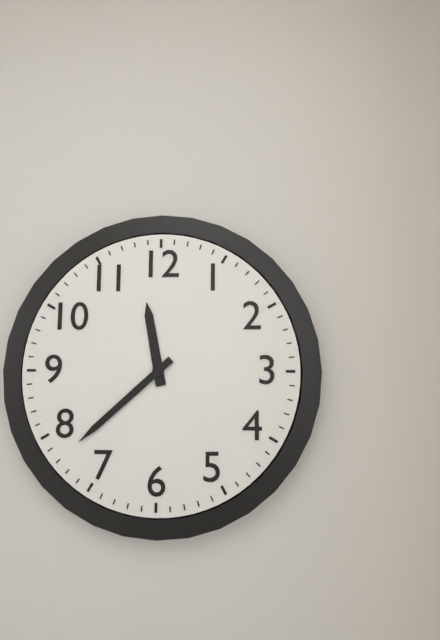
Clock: 11:38
